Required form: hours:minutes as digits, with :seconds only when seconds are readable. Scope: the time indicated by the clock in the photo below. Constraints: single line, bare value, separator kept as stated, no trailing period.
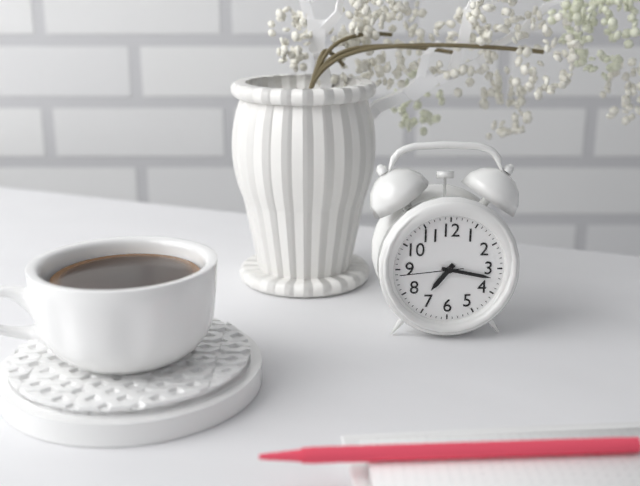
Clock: 7:17:44
